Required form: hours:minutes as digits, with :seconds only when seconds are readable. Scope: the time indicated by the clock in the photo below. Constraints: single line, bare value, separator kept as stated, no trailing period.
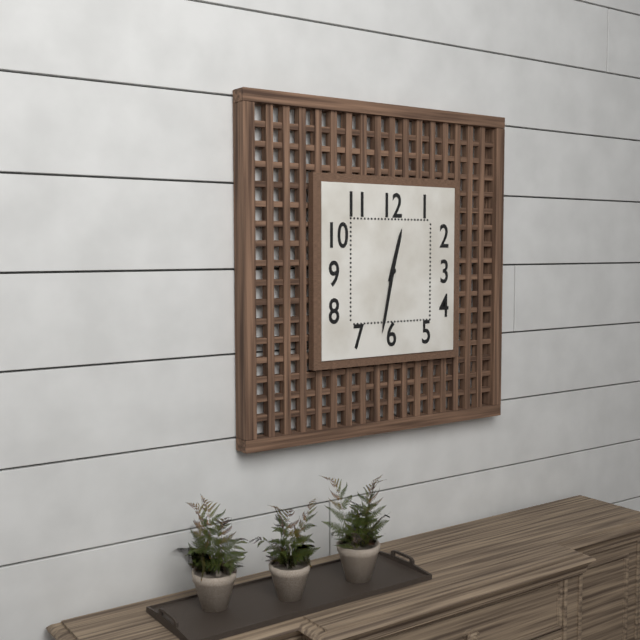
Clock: 12:32
